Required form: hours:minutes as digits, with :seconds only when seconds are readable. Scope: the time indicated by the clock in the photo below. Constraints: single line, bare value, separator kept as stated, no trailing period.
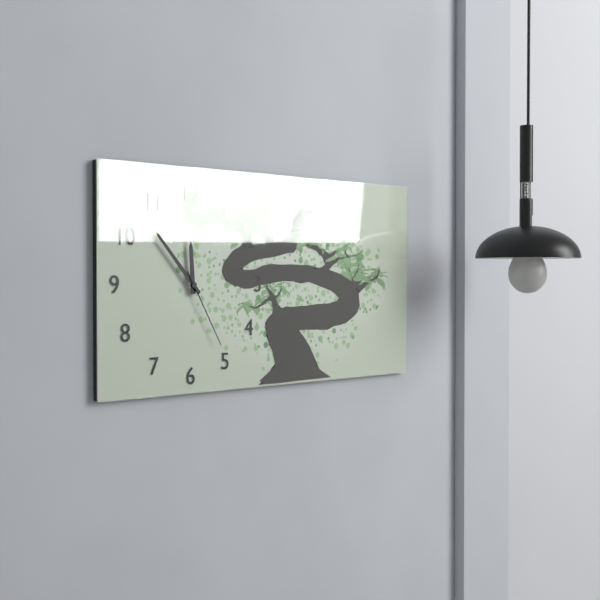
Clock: 11:53:25
